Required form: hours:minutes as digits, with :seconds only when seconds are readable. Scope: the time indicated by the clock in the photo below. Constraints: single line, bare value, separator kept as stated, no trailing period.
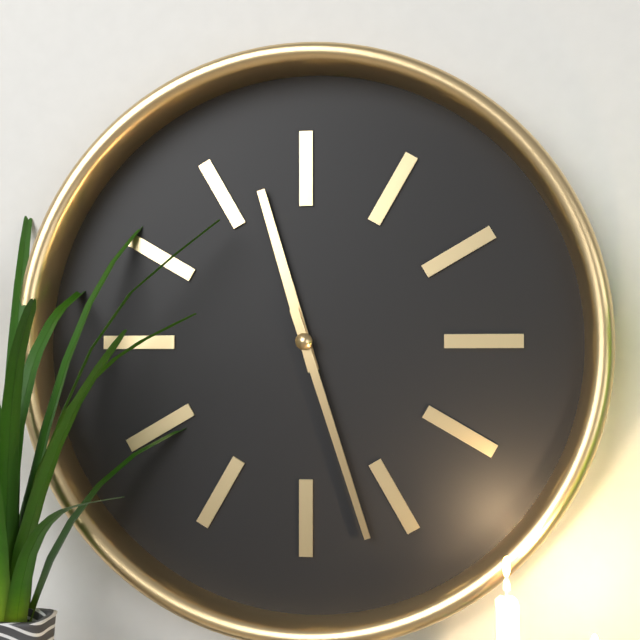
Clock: 11:27
